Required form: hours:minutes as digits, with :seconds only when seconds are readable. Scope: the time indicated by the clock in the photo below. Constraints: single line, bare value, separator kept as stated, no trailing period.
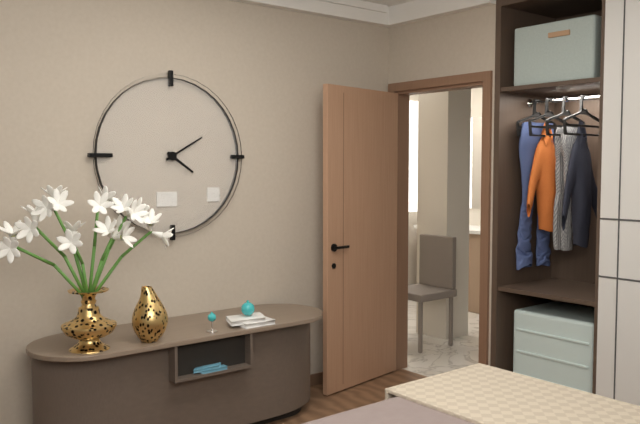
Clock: 4:10
